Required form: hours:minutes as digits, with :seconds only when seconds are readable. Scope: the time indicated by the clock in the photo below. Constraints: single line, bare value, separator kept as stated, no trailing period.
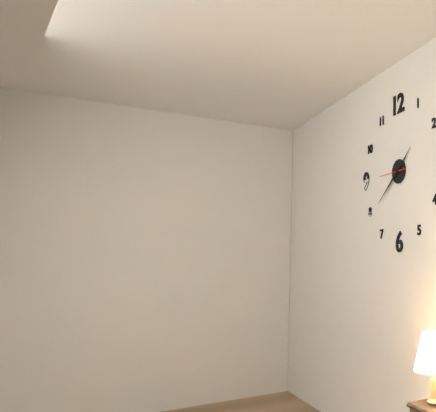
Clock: 1:39
